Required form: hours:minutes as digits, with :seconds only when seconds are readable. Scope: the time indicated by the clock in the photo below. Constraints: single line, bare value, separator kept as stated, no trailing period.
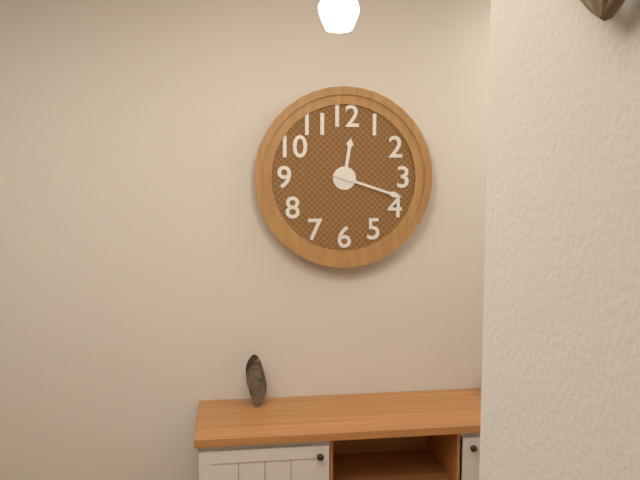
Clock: 12:18
